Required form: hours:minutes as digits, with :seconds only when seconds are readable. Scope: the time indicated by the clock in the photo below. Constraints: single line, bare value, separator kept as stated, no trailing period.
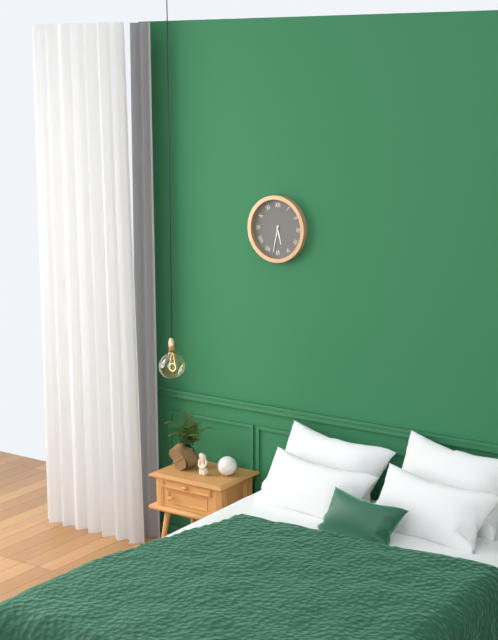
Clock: 5:32
